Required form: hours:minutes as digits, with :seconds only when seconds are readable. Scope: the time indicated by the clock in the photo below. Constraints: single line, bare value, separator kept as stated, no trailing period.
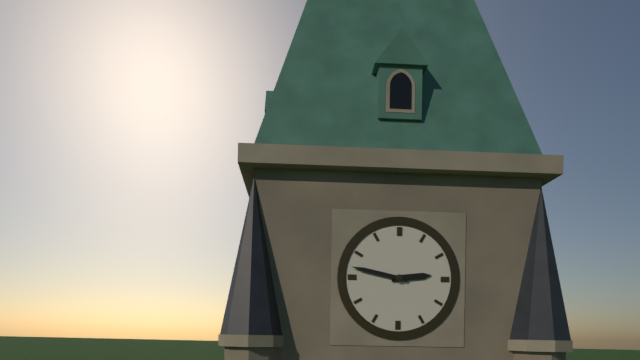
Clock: 2:47
